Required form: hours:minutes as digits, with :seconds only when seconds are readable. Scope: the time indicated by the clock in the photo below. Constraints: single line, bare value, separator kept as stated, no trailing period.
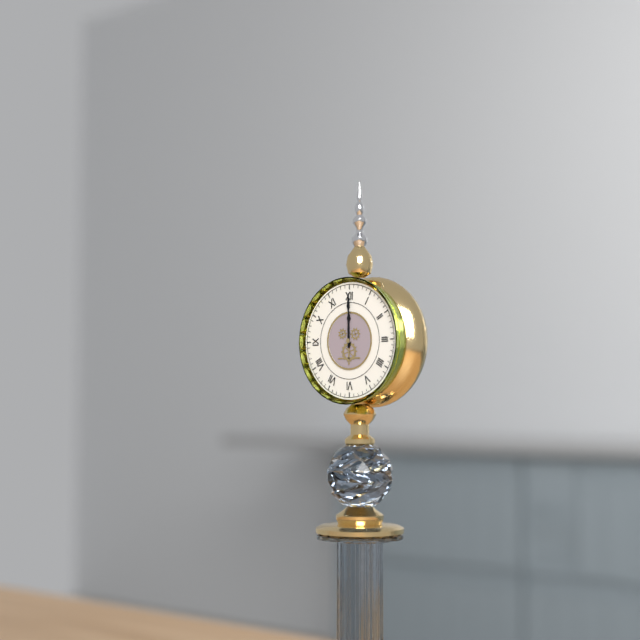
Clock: 12:00
